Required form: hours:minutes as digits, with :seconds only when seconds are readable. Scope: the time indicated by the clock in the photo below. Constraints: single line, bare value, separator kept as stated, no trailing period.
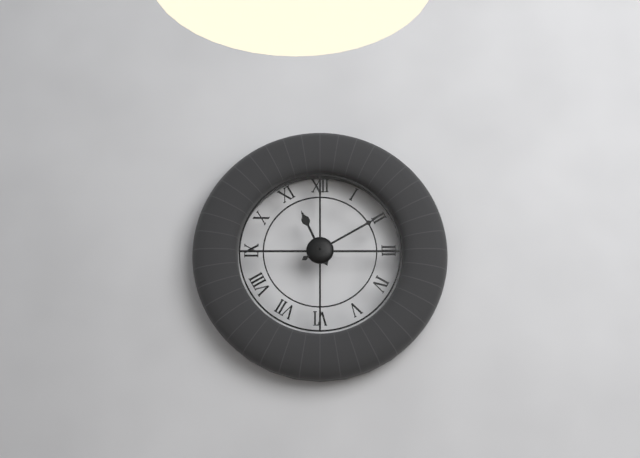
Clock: 11:10
